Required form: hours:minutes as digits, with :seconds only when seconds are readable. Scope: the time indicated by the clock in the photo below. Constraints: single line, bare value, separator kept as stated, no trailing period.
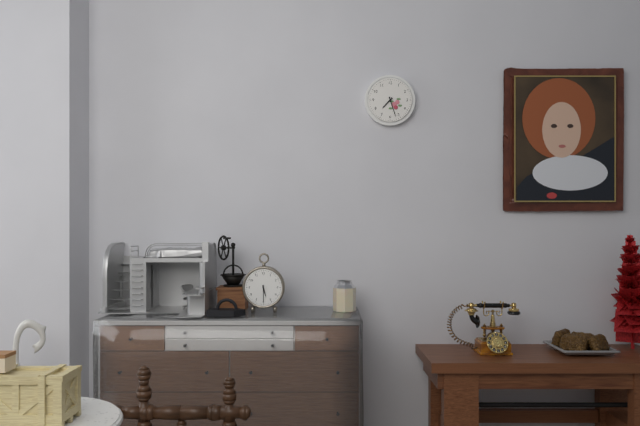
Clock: 7:27
